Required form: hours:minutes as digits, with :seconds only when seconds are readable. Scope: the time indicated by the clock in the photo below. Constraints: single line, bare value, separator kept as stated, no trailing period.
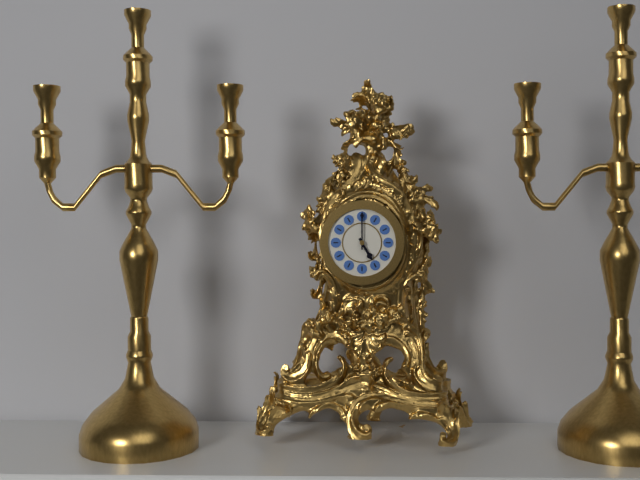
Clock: 5:00
